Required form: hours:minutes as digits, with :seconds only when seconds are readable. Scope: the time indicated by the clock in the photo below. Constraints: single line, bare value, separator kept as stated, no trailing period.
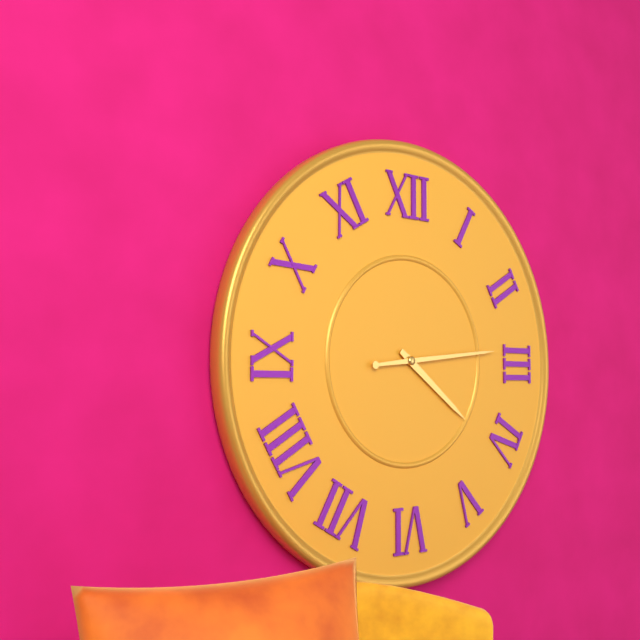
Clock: 4:14
